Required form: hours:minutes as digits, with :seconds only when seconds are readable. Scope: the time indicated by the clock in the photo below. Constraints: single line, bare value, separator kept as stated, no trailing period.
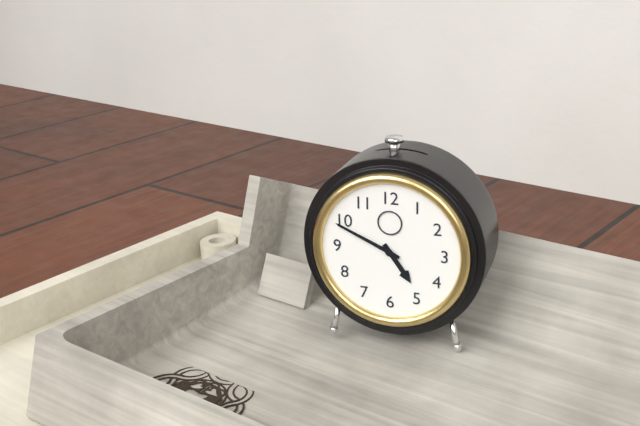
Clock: 4:49
